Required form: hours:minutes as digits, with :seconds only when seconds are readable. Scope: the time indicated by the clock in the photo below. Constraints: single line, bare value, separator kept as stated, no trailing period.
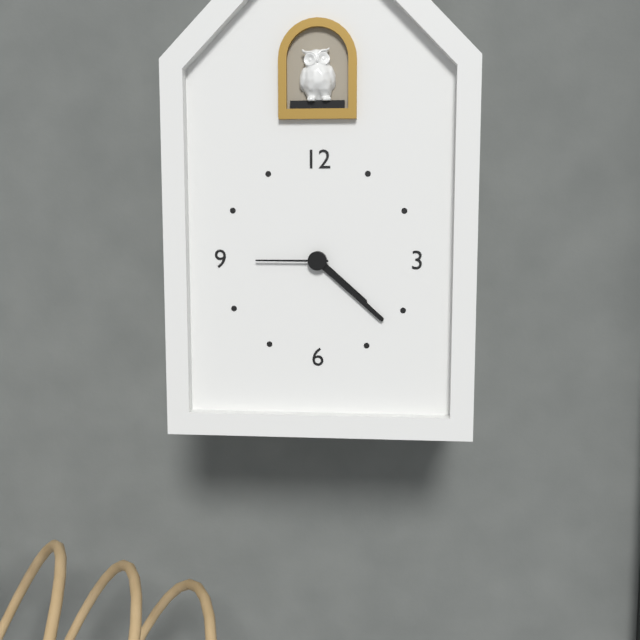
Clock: 4:22:45
